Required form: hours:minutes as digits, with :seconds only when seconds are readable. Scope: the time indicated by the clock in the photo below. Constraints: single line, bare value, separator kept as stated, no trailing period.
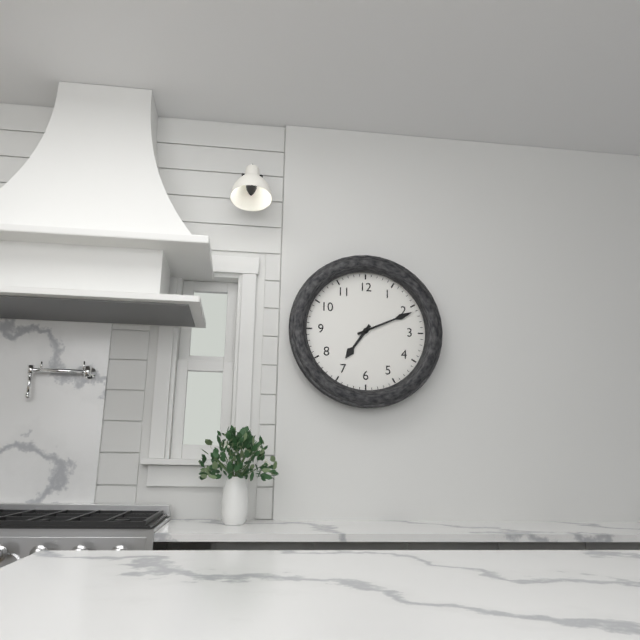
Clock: 7:11
